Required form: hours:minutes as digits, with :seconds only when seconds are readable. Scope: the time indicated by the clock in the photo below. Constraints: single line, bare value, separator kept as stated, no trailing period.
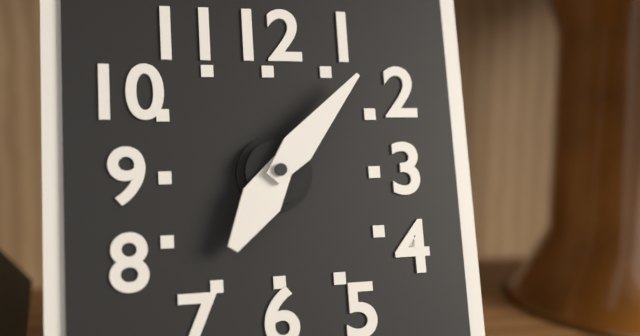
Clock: 7:07
